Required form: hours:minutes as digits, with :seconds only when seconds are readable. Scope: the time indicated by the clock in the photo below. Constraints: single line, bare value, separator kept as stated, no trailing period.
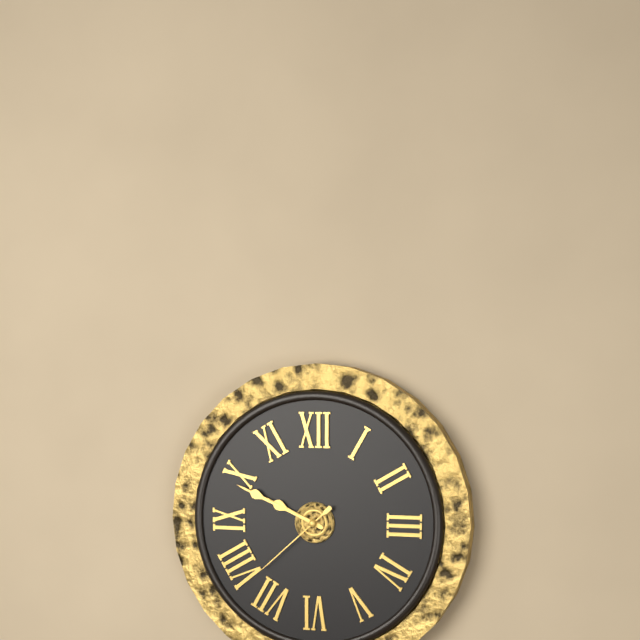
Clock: 9:49:38
